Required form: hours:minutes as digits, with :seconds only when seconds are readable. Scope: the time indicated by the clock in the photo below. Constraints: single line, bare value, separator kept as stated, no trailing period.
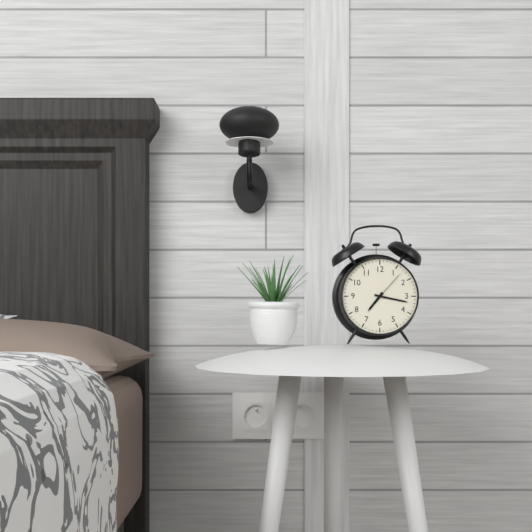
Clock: 7:17
